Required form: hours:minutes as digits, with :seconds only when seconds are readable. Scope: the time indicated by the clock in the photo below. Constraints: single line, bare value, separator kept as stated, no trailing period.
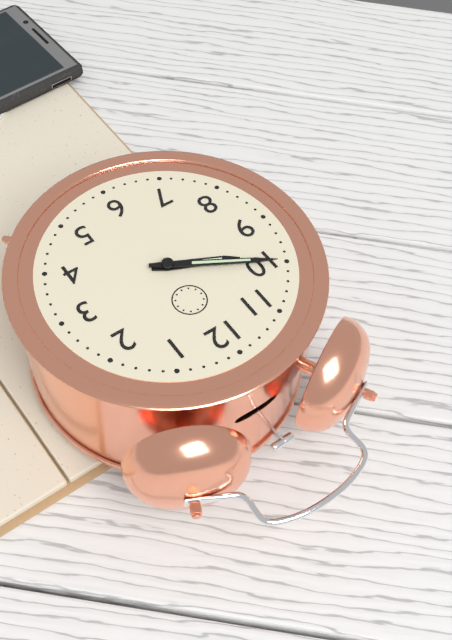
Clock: 9:50
